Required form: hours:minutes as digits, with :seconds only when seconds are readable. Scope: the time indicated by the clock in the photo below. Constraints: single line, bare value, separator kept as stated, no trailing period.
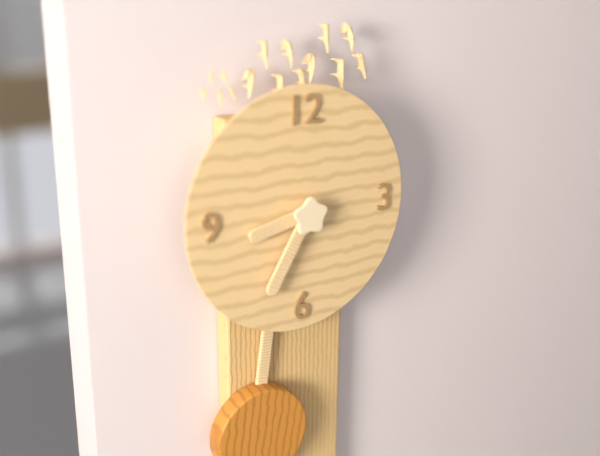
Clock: 8:35
